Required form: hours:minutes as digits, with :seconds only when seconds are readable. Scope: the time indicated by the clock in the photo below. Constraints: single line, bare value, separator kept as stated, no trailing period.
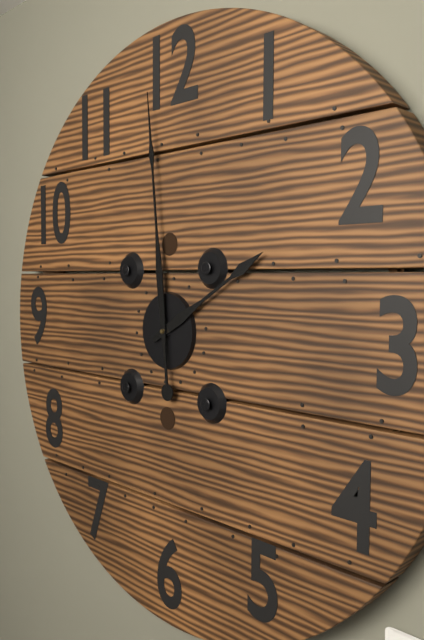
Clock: 1:59
